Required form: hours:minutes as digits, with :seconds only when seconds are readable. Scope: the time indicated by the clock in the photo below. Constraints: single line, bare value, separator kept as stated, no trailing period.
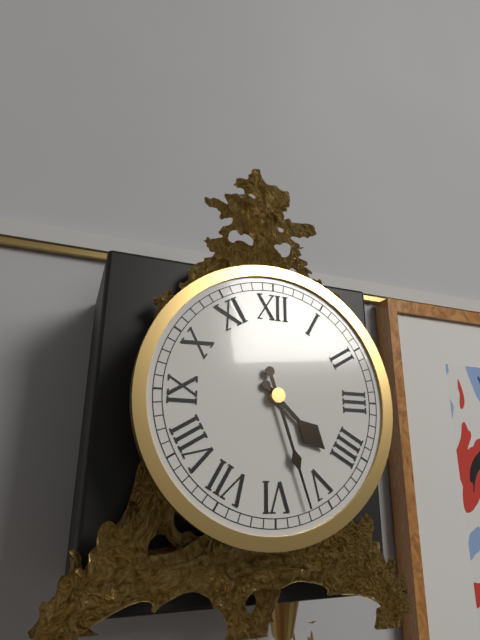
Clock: 4:27
